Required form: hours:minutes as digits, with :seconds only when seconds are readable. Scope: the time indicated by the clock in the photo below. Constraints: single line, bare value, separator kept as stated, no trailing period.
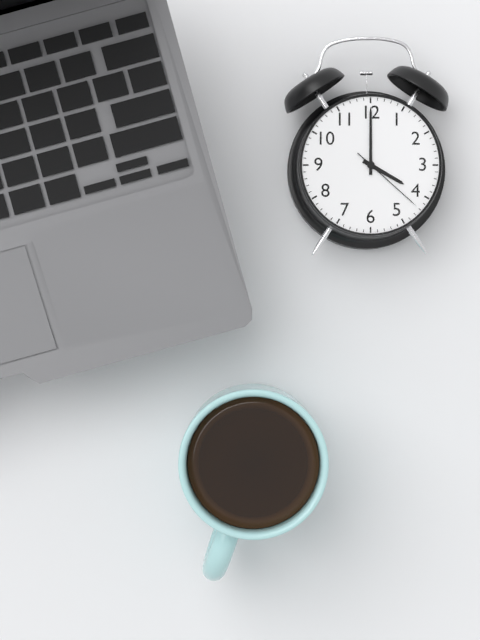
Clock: 4:00:22
